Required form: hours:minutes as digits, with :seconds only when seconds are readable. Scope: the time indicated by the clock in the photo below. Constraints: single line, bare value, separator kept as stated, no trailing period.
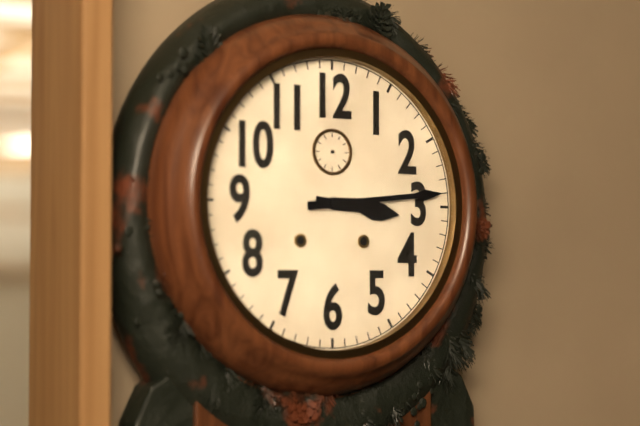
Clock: 3:14
